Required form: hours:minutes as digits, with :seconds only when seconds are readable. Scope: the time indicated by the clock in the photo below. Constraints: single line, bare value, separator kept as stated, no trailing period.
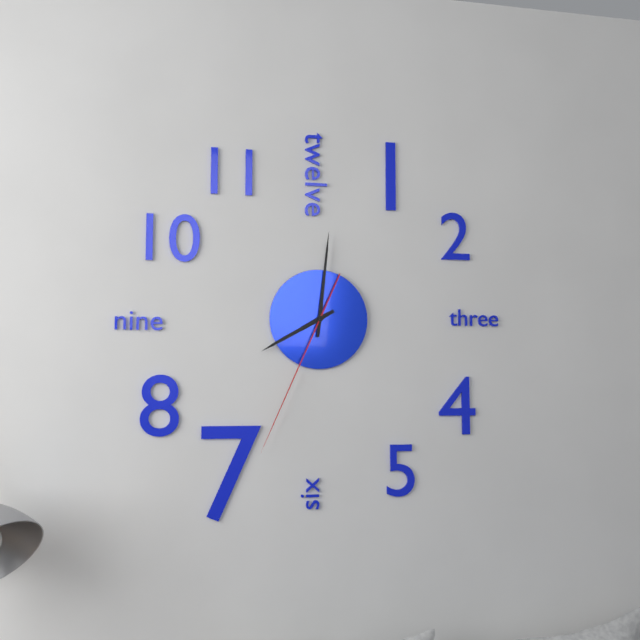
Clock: 8:01:34
